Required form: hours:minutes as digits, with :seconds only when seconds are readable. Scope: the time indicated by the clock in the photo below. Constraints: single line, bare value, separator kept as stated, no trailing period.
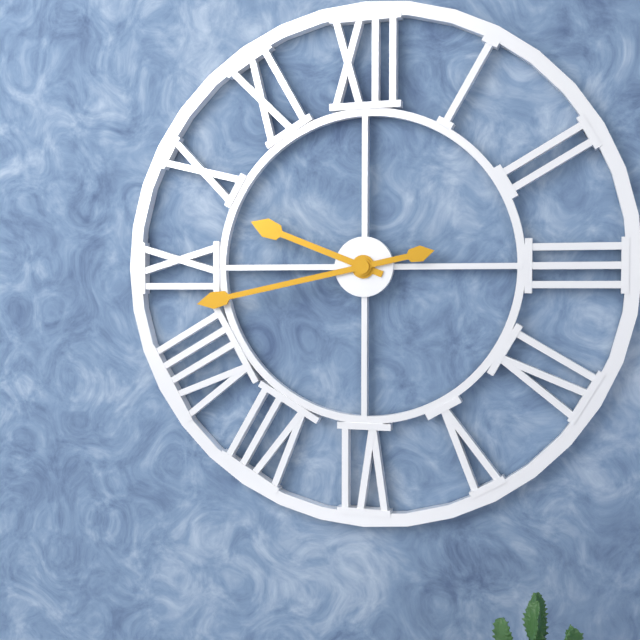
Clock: 9:43
